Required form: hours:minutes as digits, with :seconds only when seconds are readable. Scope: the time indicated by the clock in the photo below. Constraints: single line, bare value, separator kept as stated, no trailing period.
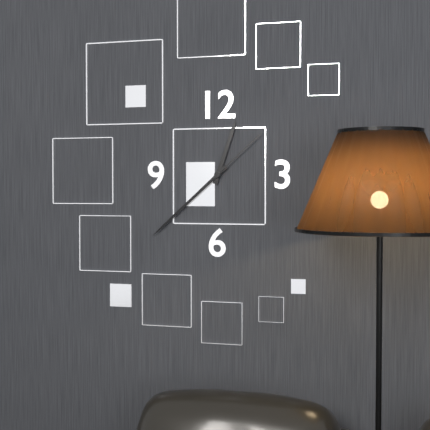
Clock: 12:38:08
